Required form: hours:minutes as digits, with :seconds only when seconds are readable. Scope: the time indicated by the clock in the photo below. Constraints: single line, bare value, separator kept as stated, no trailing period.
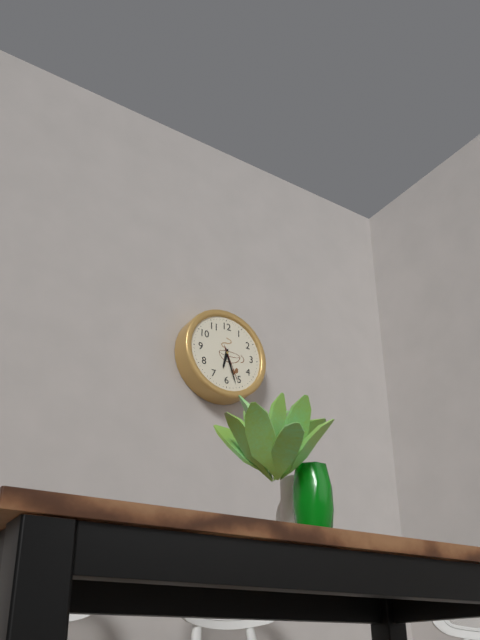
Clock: 6:27
